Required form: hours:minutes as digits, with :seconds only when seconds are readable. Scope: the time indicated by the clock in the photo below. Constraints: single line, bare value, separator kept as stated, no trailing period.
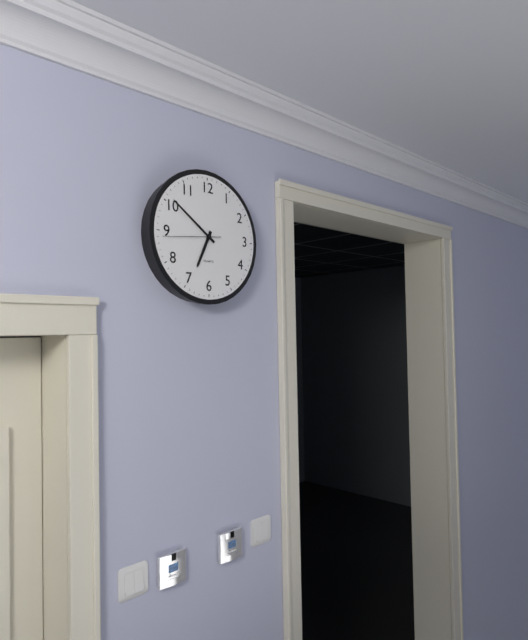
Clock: 6:51:44
